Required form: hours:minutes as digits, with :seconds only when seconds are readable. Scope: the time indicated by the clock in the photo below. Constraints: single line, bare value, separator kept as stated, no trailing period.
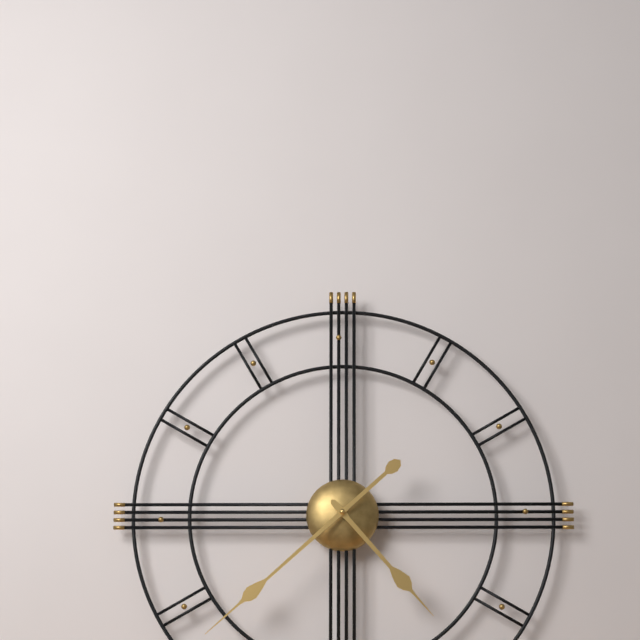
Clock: 4:38
